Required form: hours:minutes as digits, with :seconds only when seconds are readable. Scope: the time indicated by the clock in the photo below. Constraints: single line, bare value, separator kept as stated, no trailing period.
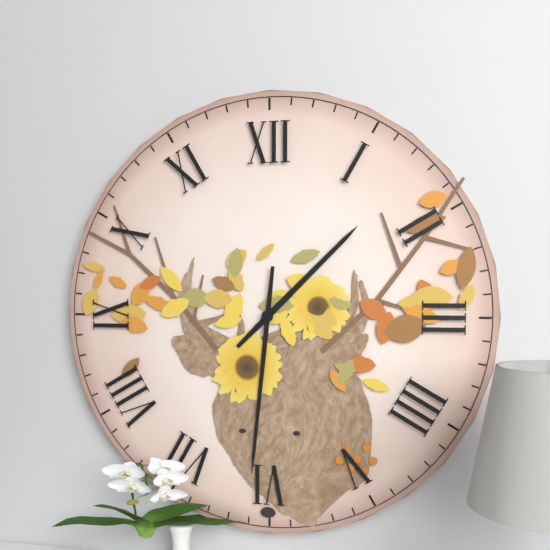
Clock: 1:31
